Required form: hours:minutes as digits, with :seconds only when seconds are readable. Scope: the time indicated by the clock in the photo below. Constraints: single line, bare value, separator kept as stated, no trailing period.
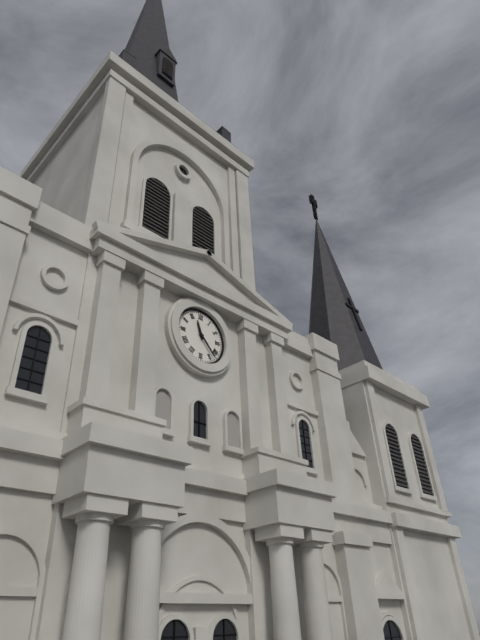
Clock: 11:23
